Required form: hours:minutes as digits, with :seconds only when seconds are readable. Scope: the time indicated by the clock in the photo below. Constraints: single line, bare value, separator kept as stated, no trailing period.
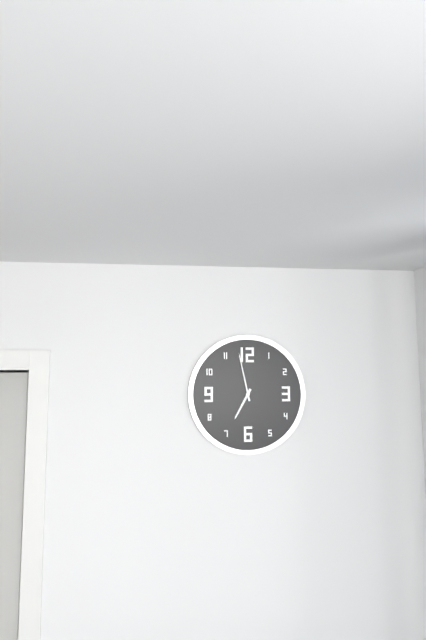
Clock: 6:58
